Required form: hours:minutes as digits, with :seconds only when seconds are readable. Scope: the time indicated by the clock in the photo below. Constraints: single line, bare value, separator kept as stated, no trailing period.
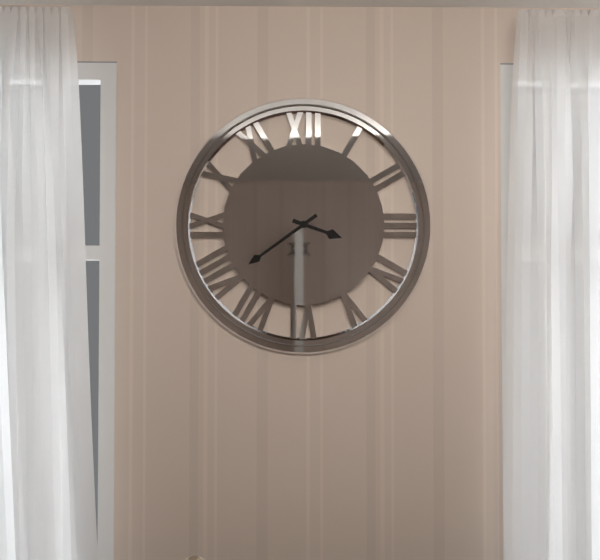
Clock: 3:39
